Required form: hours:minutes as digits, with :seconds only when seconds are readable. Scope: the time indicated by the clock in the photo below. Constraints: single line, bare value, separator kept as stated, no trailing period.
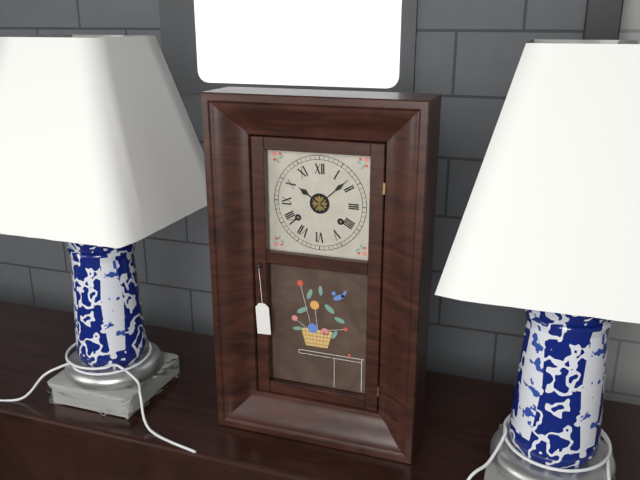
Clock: 10:08
